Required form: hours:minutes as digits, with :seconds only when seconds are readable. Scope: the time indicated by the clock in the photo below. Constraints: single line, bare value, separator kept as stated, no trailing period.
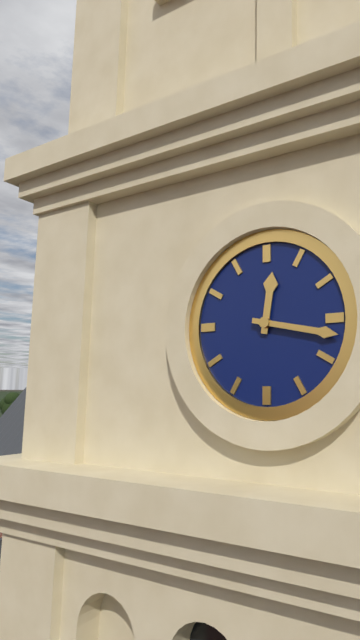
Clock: 12:17
